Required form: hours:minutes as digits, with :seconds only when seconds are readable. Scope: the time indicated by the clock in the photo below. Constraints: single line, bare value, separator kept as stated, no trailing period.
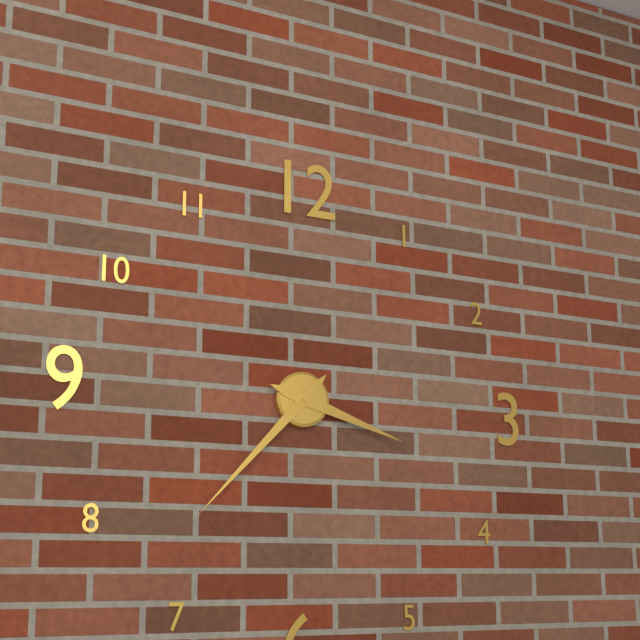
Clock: 3:37
